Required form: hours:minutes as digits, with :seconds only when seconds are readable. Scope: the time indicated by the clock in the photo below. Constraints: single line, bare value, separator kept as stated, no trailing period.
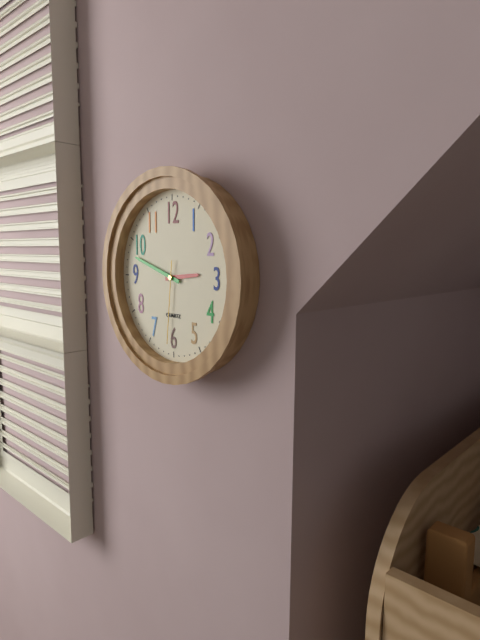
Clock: 2:48:31
